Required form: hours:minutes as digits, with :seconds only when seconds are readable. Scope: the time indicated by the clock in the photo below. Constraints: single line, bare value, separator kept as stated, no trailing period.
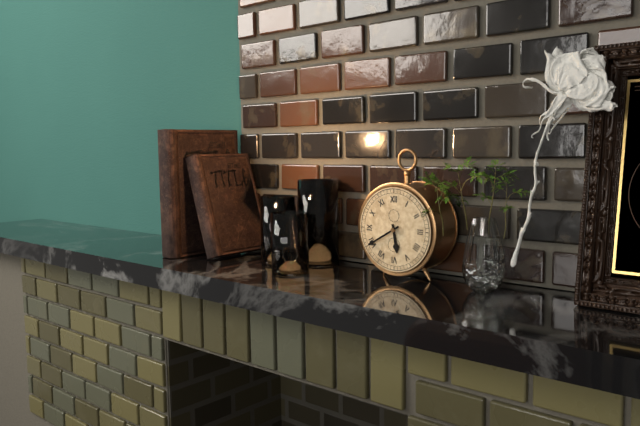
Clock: 5:40
